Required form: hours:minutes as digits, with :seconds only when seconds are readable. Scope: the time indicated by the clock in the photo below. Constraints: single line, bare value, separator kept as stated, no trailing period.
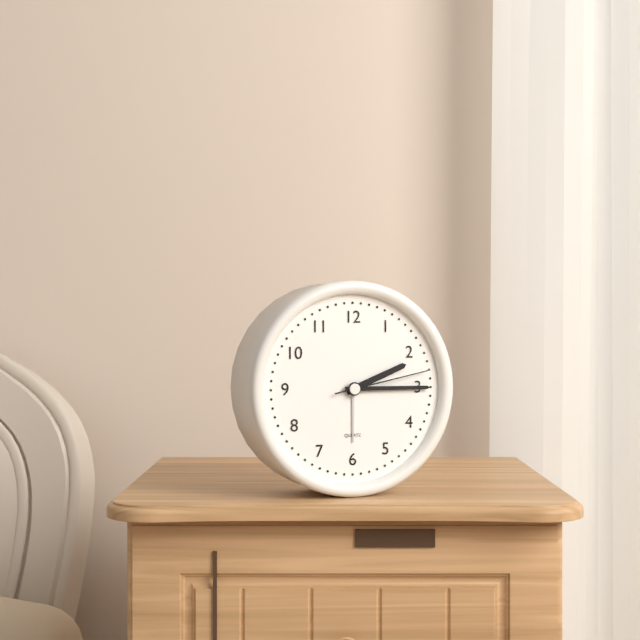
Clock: 2:15:13
